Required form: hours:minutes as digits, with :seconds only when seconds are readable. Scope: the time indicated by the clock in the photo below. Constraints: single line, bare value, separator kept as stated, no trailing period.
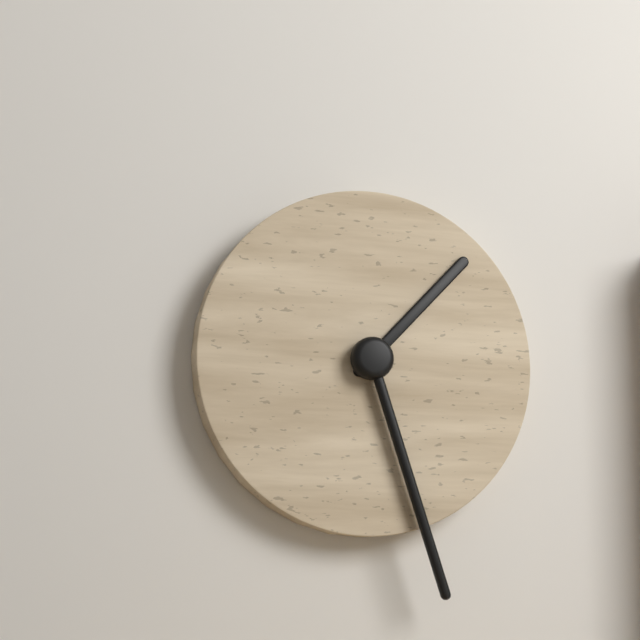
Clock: 1:27
